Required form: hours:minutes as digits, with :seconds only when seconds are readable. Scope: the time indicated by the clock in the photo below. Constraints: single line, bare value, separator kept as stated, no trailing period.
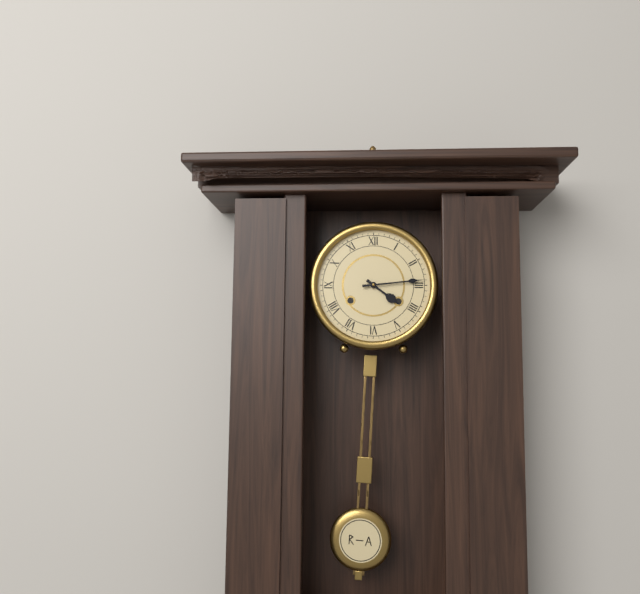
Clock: 4:14
